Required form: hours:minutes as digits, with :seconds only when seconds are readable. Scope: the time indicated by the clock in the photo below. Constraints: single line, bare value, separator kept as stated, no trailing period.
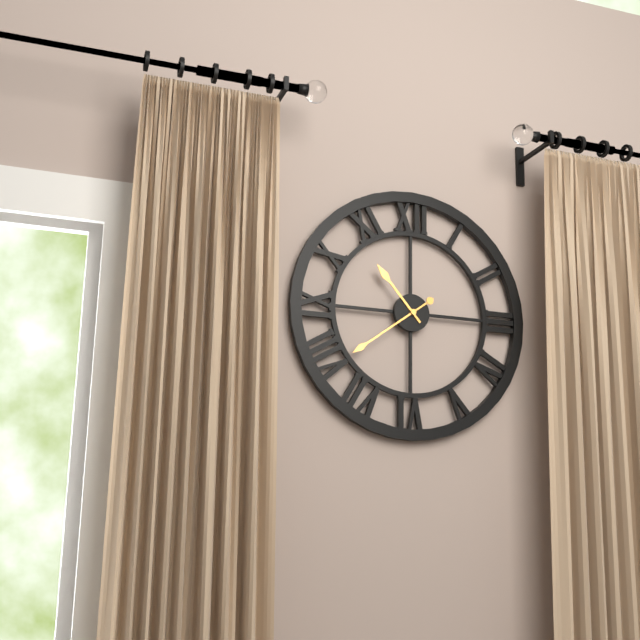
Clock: 10:39
